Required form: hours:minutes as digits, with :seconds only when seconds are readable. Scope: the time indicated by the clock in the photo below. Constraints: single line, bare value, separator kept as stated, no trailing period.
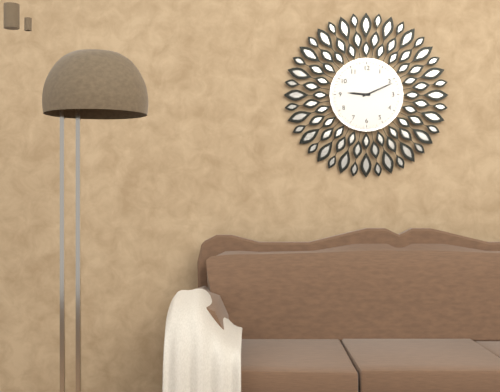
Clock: 9:11
